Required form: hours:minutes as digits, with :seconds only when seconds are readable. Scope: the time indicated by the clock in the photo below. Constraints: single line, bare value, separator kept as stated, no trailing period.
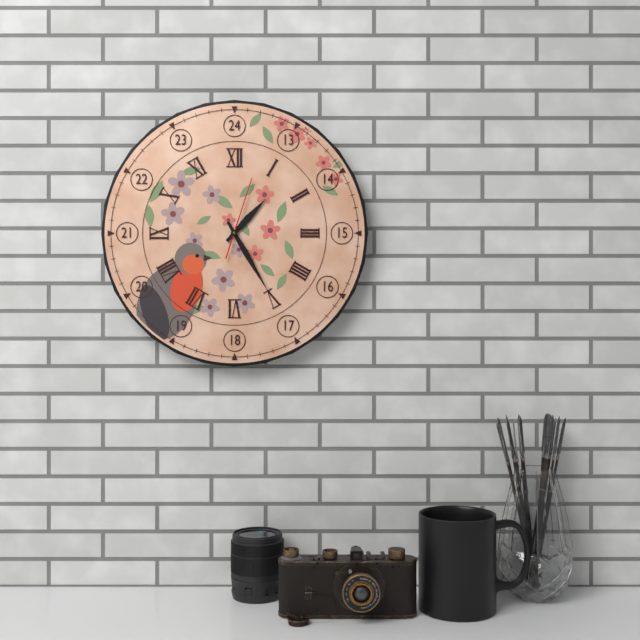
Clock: 1:25:03
